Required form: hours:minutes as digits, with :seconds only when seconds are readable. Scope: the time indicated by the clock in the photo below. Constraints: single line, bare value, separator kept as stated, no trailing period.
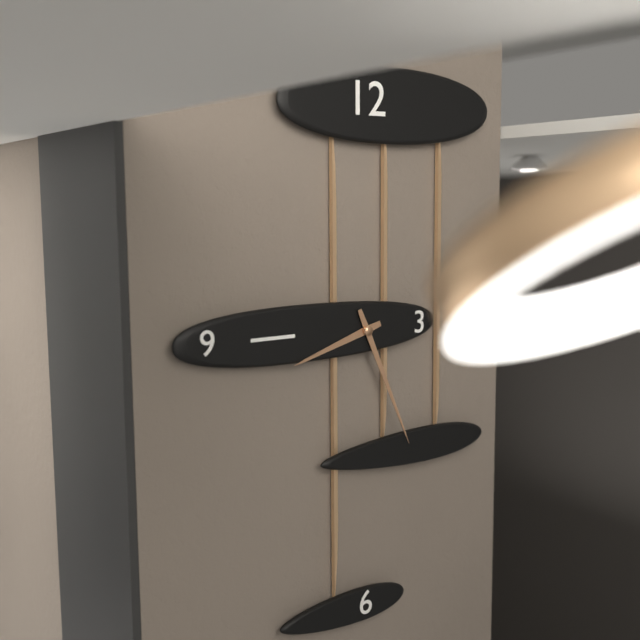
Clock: 8:26
